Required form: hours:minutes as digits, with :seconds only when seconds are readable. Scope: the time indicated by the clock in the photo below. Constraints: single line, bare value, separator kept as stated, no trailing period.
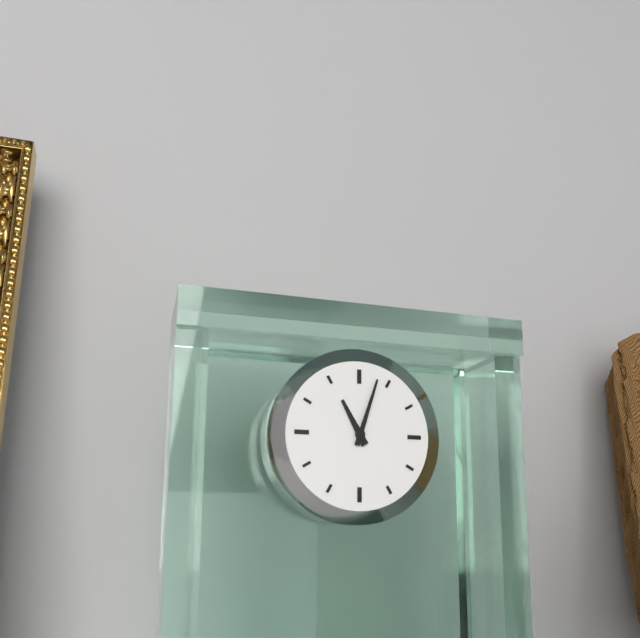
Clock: 11:03
